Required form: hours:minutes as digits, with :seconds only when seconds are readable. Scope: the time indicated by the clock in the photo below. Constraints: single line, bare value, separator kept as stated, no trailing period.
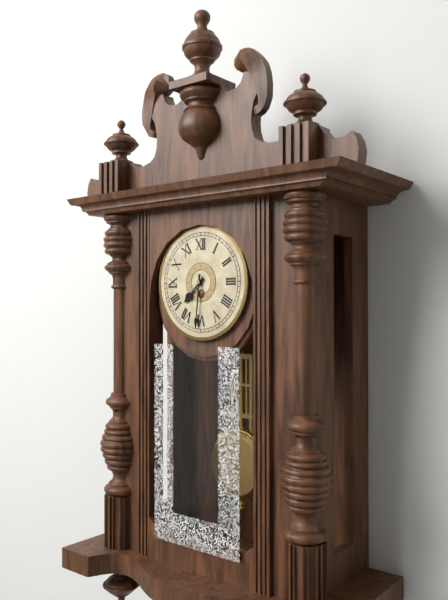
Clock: 7:31
